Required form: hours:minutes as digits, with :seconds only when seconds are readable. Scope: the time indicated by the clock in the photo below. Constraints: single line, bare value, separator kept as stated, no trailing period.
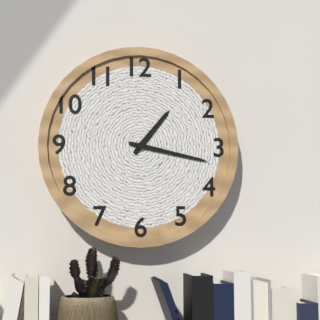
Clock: 1:17
